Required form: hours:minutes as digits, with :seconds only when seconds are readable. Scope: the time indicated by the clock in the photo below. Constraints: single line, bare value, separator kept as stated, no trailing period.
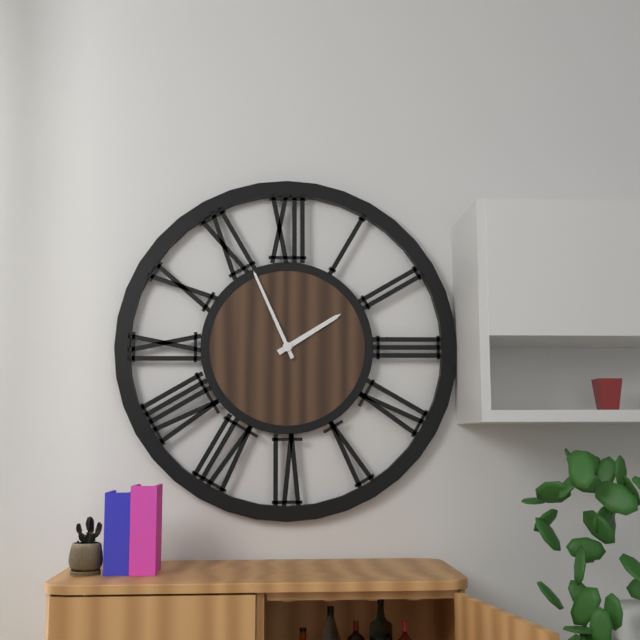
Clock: 1:56
